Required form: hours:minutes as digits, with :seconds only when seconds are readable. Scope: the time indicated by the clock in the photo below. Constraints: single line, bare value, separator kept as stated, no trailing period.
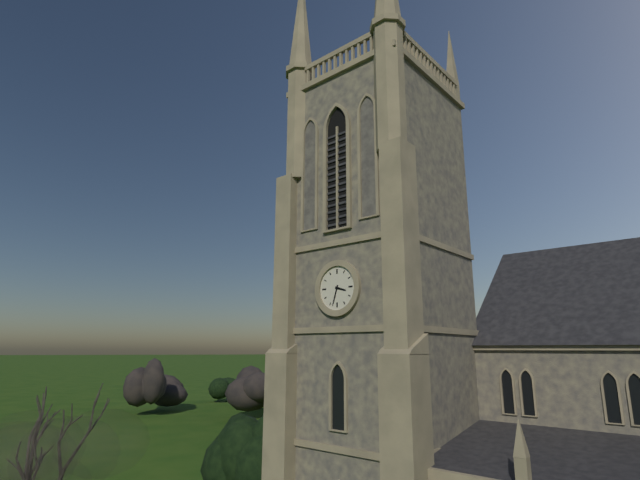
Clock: 3:33
